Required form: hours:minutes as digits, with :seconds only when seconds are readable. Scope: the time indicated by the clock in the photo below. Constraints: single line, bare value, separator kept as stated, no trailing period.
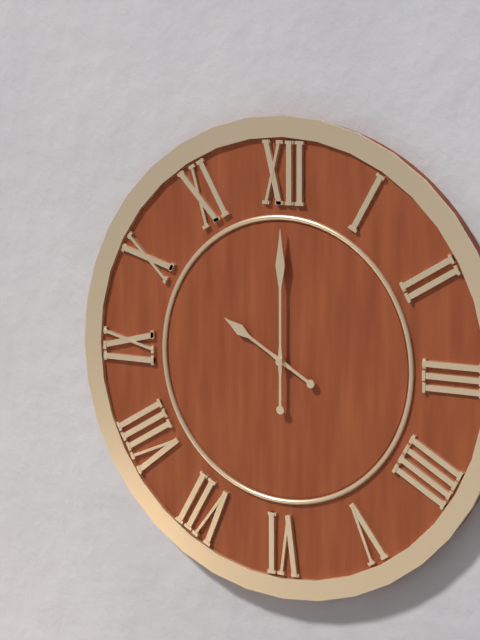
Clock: 10:00
